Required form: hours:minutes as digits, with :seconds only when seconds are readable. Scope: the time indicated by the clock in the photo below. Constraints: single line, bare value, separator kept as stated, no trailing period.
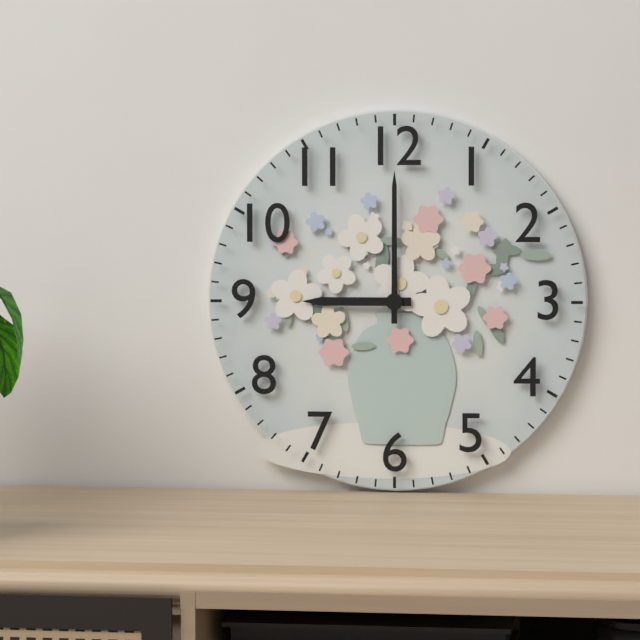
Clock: 9:00
